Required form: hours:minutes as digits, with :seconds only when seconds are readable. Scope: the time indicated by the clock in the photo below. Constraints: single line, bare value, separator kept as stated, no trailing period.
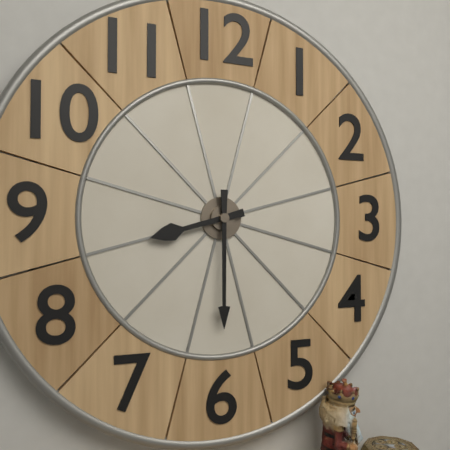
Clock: 8:30
